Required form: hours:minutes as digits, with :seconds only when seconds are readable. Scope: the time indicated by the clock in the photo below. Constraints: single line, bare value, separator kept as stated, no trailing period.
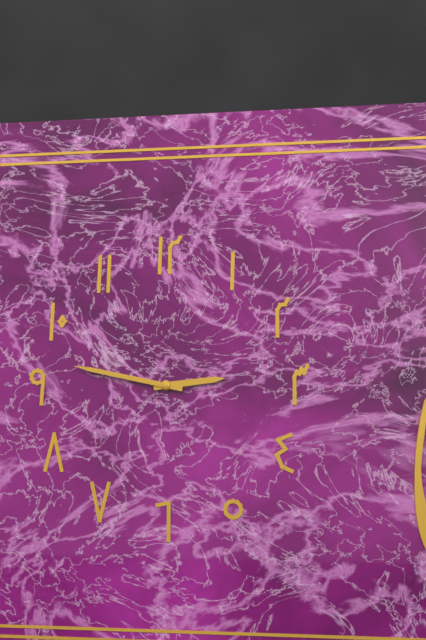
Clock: 2:47
